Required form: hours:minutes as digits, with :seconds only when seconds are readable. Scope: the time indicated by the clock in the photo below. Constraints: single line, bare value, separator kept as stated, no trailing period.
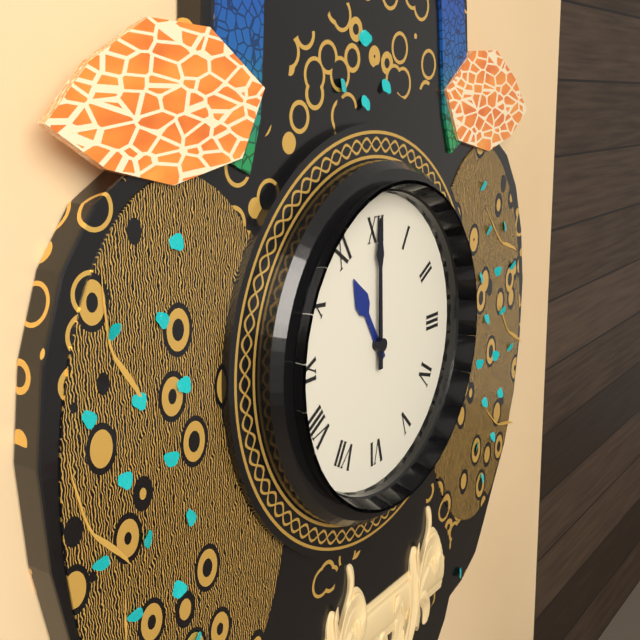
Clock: 11:00
